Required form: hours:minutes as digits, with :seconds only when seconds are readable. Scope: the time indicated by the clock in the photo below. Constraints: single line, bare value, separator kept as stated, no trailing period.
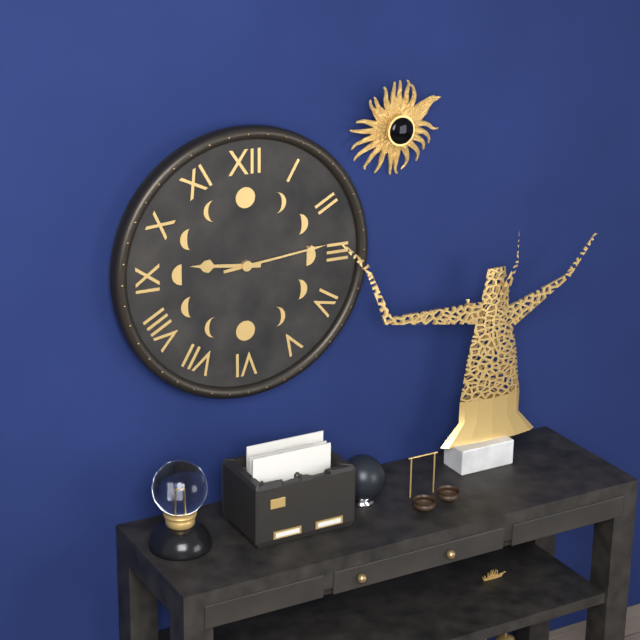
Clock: 9:14
